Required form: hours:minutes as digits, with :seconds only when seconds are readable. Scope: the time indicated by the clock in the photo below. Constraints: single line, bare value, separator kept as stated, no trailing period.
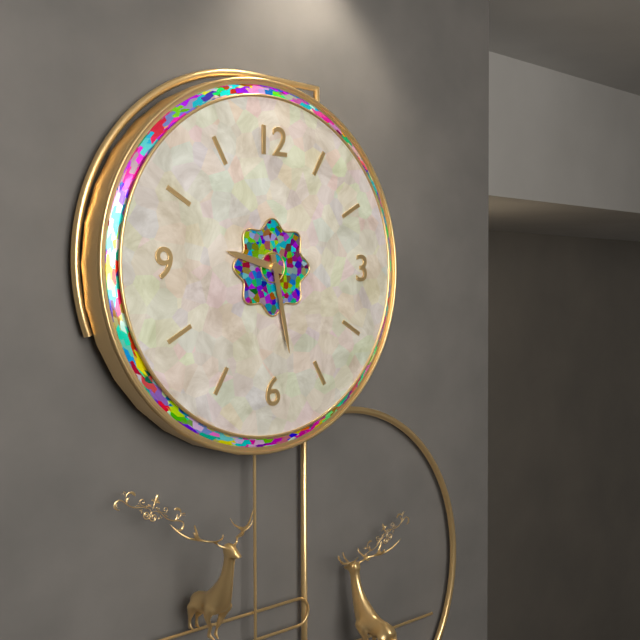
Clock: 9:28
